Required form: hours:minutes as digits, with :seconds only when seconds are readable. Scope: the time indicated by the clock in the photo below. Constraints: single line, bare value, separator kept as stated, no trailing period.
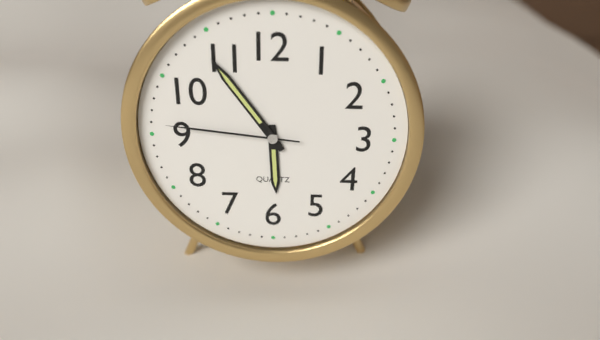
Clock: 5:54:46
